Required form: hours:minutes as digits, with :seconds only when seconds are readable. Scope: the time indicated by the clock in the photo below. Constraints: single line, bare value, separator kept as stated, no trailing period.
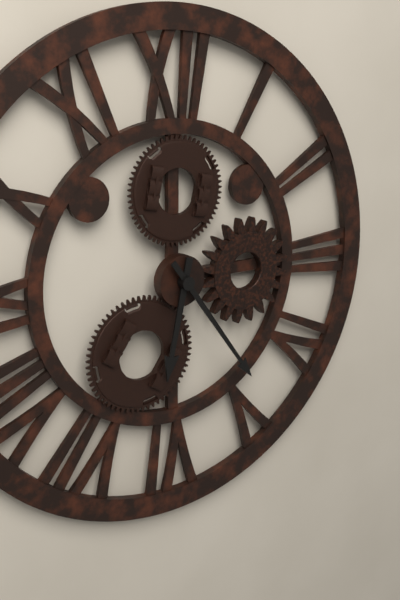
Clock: 6:24
